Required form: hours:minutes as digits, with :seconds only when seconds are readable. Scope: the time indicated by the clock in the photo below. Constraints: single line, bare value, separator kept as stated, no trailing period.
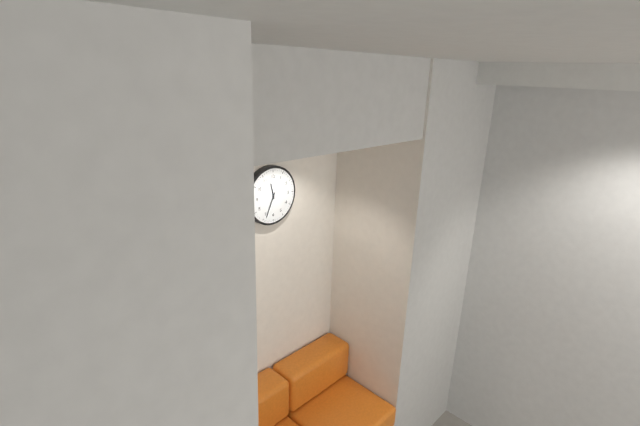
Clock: 11:34
